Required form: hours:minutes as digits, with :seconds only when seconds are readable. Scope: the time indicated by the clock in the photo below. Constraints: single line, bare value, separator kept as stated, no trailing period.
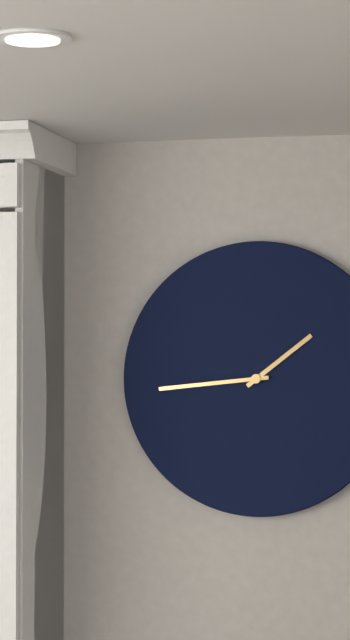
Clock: 1:44
